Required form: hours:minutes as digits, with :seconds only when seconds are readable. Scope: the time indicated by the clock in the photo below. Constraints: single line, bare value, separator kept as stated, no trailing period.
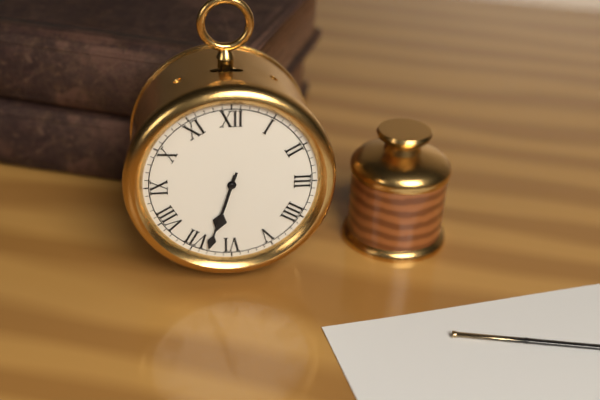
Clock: 6:33
